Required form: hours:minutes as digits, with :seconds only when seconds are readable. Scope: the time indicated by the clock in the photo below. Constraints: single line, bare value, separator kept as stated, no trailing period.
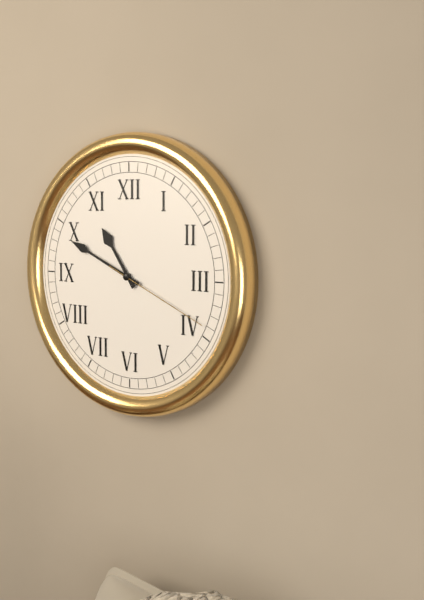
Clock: 10:49:19
